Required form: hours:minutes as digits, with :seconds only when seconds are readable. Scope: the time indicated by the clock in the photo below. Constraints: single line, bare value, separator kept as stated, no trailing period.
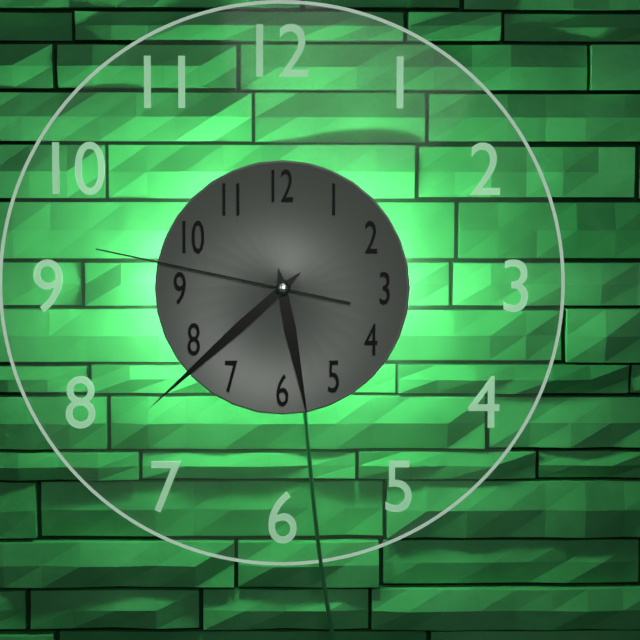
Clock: 5:38:47
